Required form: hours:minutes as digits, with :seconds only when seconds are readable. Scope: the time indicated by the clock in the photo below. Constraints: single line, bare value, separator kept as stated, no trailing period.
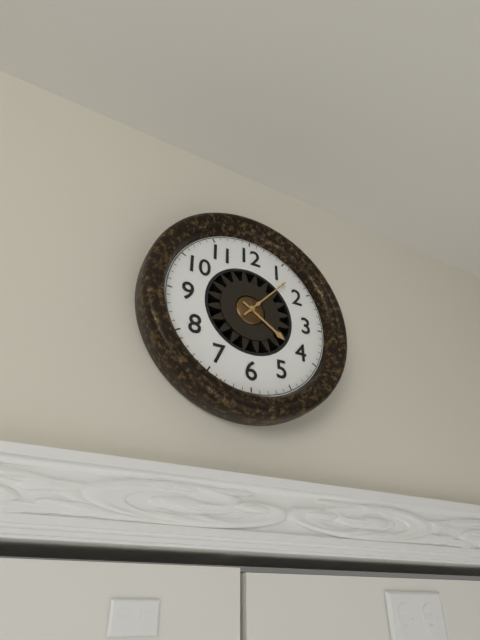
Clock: 4:07
